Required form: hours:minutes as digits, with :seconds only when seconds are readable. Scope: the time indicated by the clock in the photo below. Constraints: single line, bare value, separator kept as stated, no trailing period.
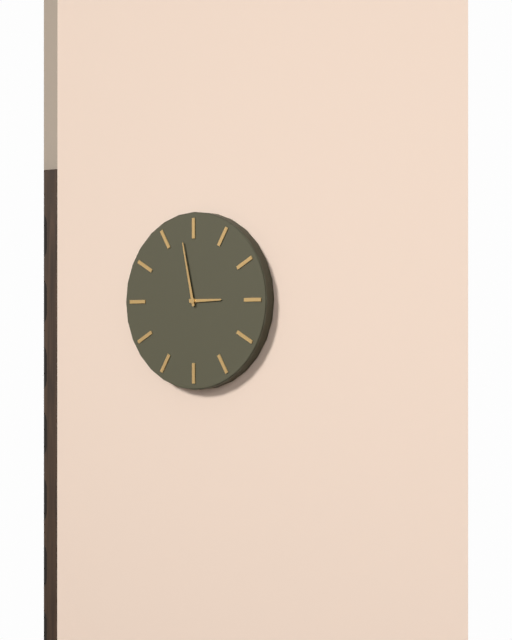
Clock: 2:58
